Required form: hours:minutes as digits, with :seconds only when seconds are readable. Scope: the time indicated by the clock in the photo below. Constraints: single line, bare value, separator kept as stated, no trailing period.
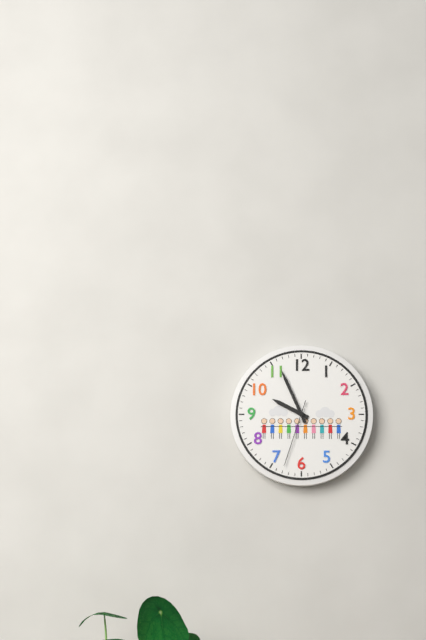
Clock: 9:56:33
